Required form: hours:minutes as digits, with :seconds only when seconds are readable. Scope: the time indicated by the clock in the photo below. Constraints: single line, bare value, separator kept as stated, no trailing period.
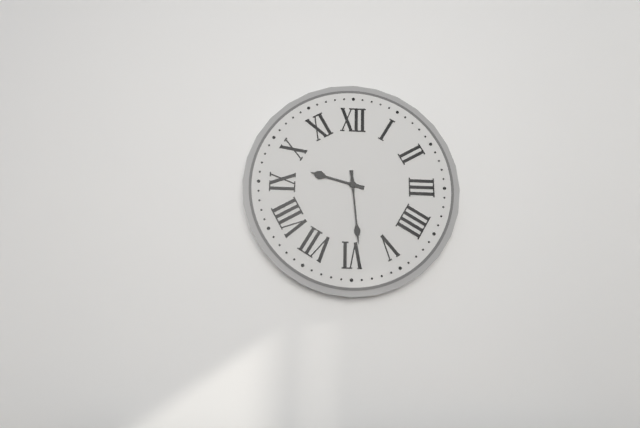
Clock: 9:29
